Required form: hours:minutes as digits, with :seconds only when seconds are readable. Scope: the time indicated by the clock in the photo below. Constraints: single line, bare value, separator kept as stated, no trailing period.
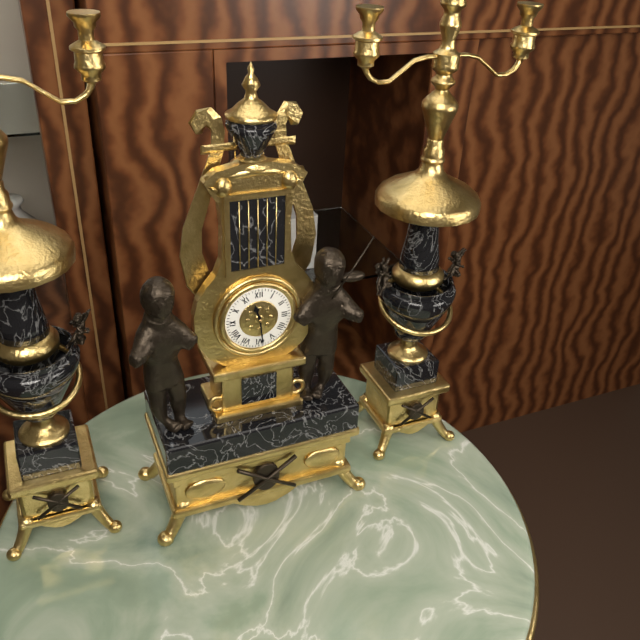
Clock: 11:29
